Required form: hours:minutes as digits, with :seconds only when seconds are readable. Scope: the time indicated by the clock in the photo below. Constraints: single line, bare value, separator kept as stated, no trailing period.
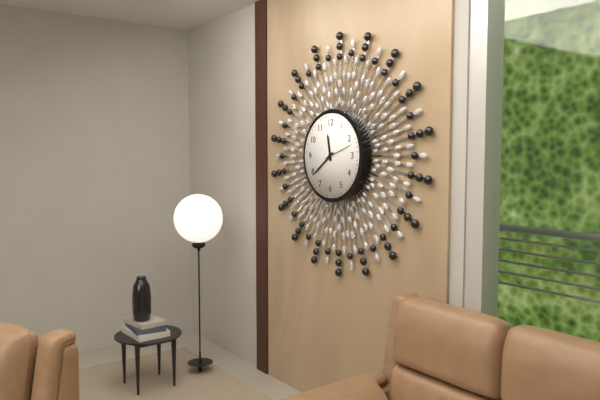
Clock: 11:39
